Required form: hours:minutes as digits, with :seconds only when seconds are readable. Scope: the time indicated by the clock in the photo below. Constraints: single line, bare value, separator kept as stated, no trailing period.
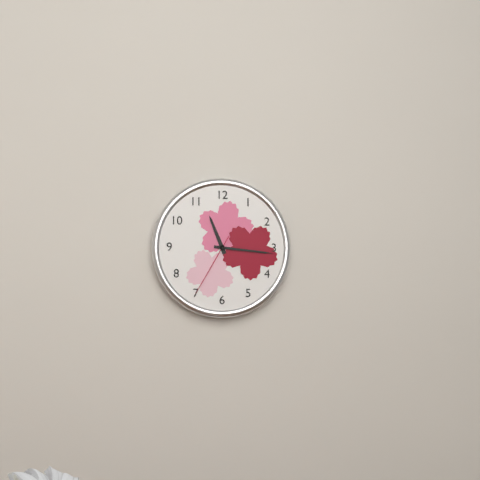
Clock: 11:16:35
